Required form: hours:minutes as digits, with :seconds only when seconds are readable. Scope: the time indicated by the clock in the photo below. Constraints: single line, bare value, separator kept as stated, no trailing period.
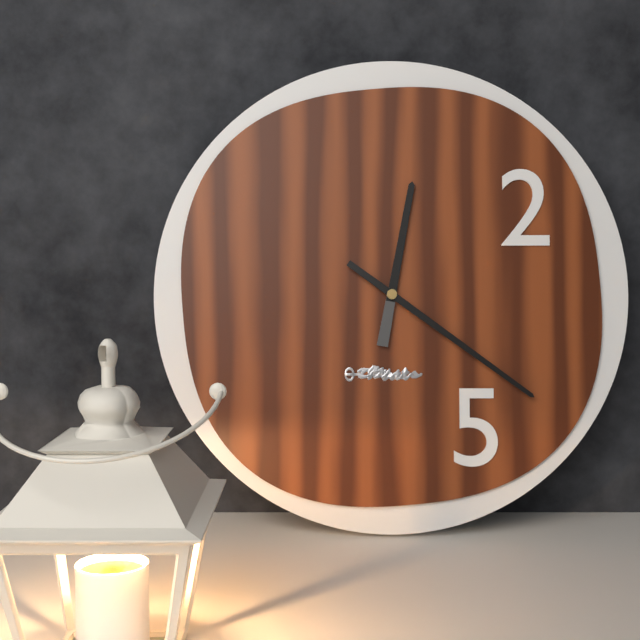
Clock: 12:21
